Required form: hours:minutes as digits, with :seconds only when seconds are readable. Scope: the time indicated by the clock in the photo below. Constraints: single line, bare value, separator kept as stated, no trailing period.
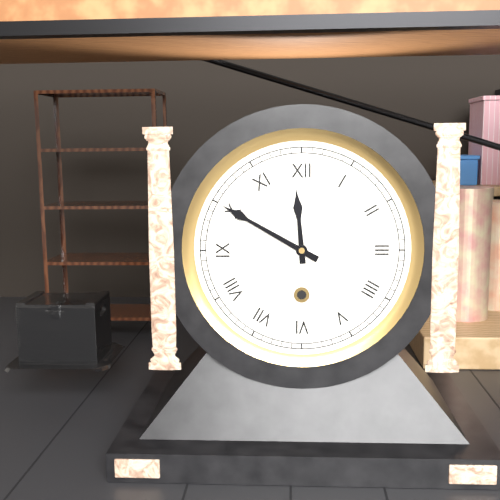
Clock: 11:50
